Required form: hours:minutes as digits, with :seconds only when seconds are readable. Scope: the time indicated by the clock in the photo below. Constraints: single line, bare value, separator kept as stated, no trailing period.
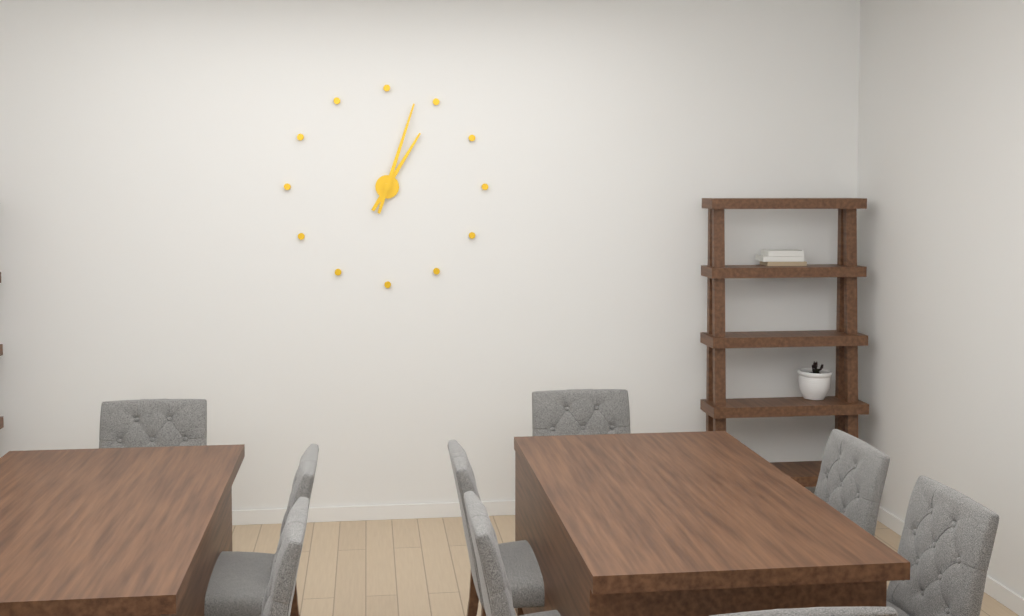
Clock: 1:03
